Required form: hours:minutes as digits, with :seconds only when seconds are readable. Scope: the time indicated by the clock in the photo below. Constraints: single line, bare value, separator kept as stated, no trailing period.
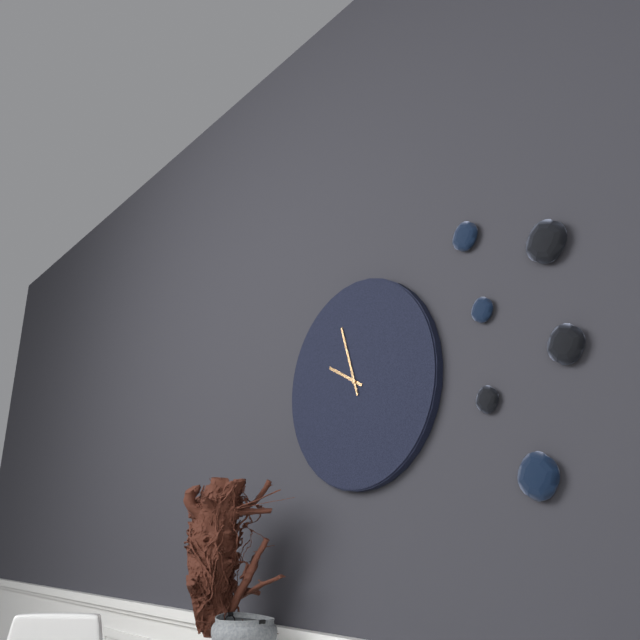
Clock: 9:57
